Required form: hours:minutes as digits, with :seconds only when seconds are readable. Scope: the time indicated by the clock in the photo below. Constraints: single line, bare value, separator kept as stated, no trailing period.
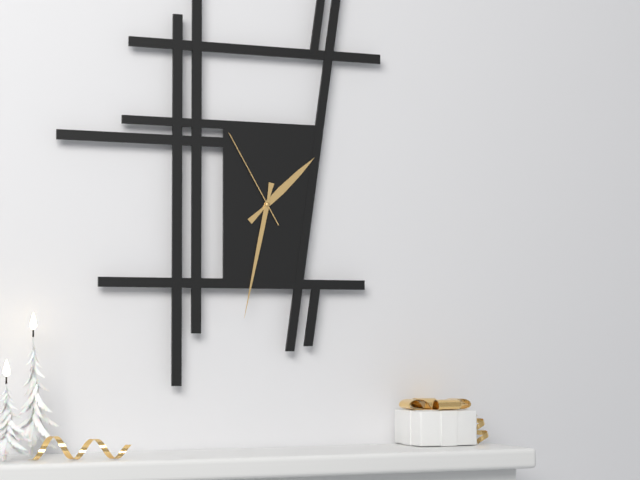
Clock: 1:32:55
